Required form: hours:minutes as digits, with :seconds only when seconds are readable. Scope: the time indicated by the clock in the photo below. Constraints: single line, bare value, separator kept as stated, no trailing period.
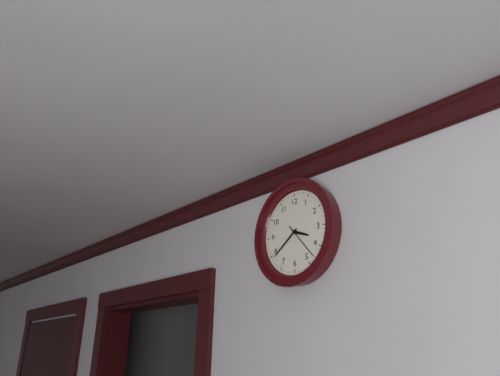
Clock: 3:39
